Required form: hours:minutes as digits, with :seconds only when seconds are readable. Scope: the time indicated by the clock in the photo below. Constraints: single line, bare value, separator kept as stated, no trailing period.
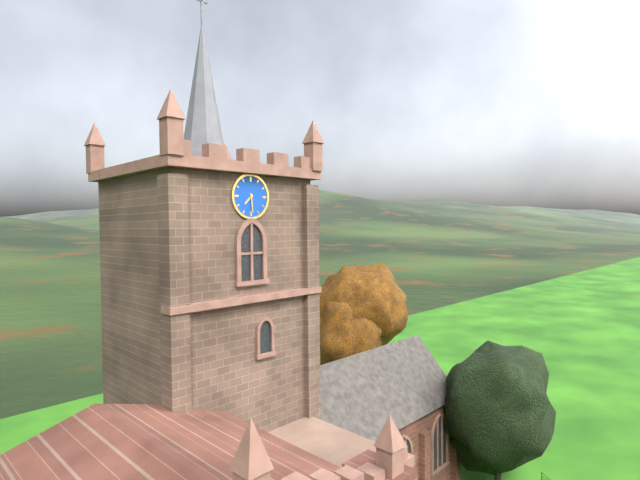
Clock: 7:29
